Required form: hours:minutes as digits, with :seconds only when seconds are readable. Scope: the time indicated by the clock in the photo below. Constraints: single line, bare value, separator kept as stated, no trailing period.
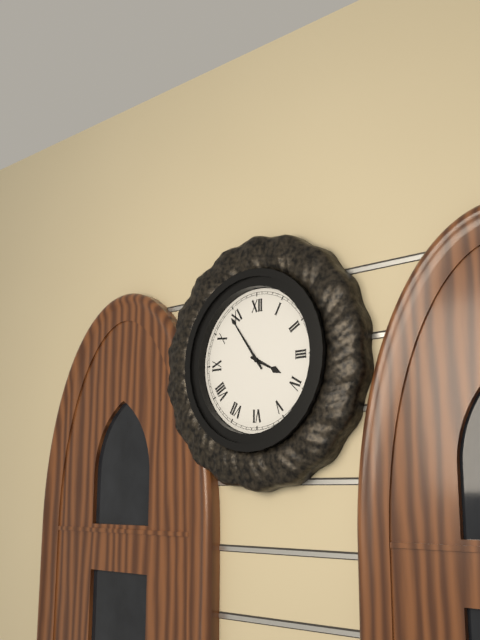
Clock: 3:54
